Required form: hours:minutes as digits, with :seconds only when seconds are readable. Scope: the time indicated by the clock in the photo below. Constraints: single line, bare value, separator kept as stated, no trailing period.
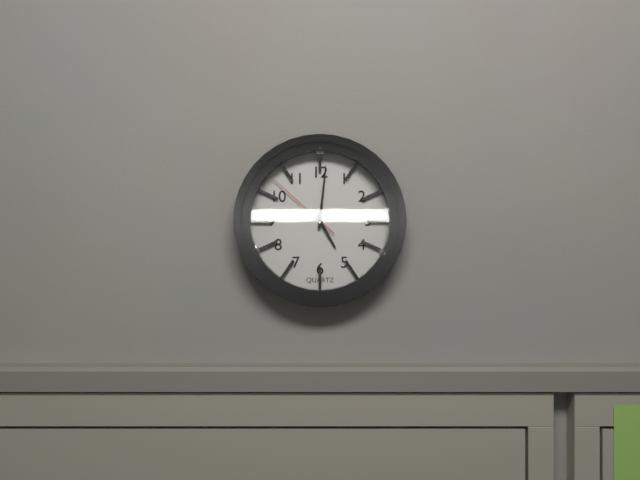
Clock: 5:01:52
